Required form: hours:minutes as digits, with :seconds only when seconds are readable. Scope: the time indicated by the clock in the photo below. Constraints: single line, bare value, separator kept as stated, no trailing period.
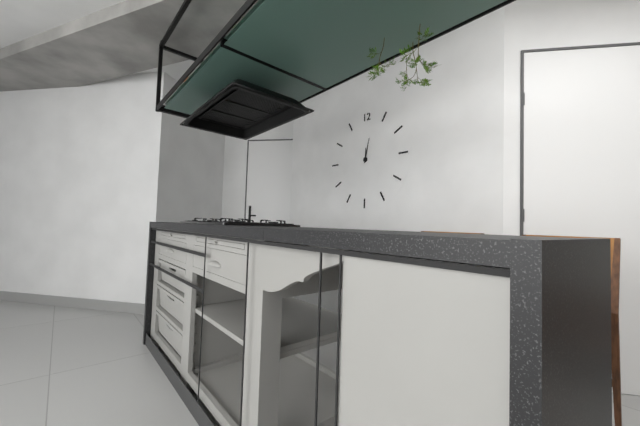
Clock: 12:02
